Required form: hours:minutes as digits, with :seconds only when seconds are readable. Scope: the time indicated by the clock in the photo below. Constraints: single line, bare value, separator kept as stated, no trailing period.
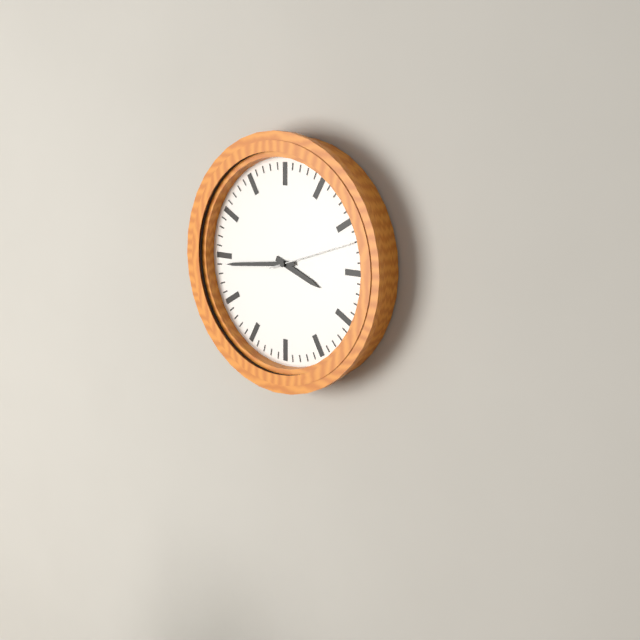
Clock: 3:44:12
